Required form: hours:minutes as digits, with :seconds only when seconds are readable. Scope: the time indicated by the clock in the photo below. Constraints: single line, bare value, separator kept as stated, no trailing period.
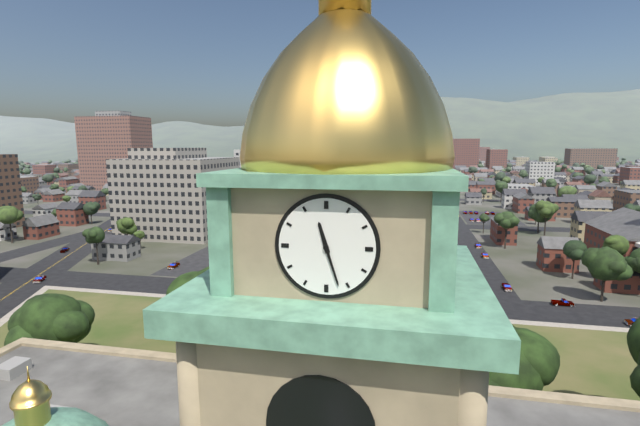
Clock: 11:27
